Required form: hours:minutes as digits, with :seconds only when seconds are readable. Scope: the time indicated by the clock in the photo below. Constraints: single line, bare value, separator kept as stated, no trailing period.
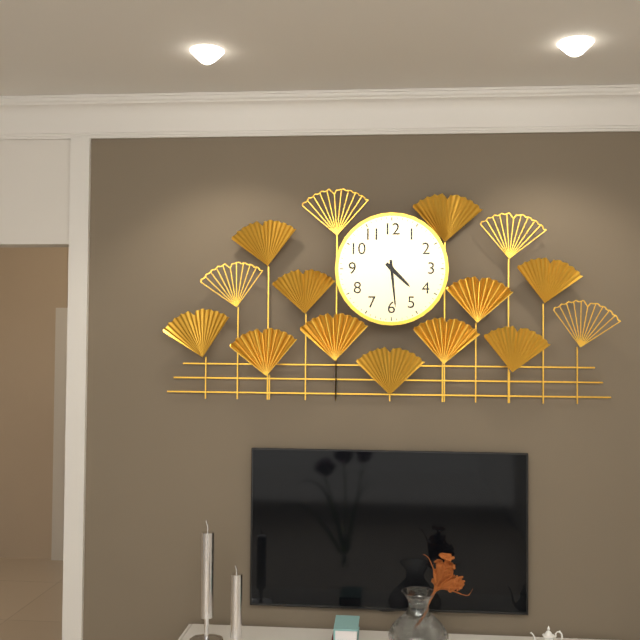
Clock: 4:29
